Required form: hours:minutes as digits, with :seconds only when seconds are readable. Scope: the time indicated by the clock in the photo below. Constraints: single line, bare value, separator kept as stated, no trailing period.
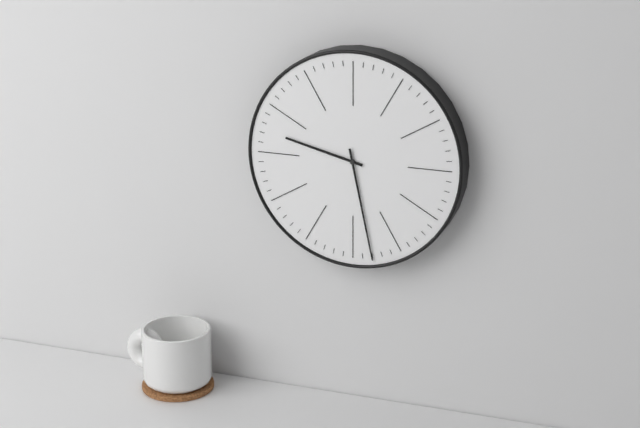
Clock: 9:28
